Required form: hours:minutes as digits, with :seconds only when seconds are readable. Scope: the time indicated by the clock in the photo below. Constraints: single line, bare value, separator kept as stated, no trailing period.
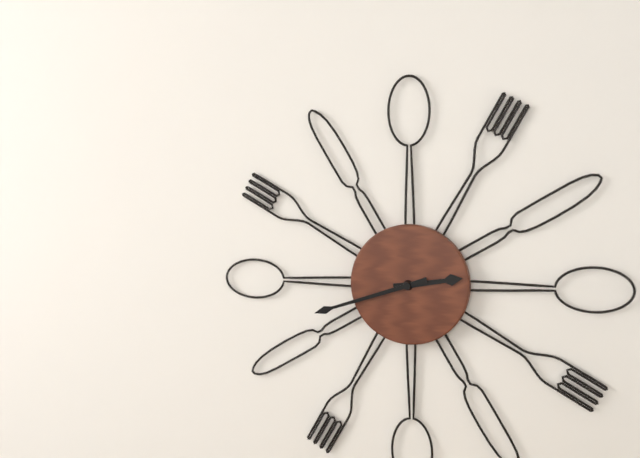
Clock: 2:42
